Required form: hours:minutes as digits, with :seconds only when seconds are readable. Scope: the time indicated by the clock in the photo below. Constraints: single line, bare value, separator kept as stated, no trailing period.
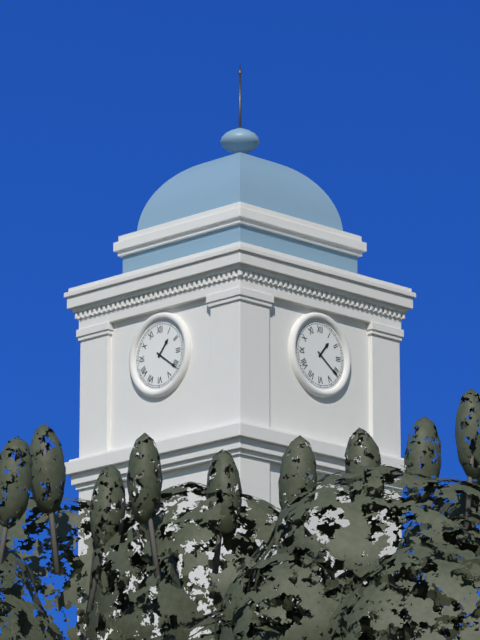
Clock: 1:21
